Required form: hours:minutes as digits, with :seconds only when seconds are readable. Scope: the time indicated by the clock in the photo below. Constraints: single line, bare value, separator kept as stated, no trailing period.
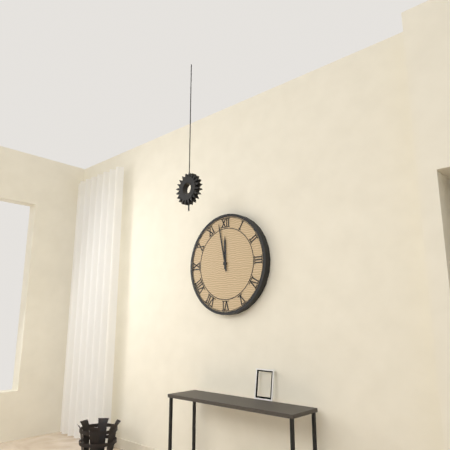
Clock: 11:58
